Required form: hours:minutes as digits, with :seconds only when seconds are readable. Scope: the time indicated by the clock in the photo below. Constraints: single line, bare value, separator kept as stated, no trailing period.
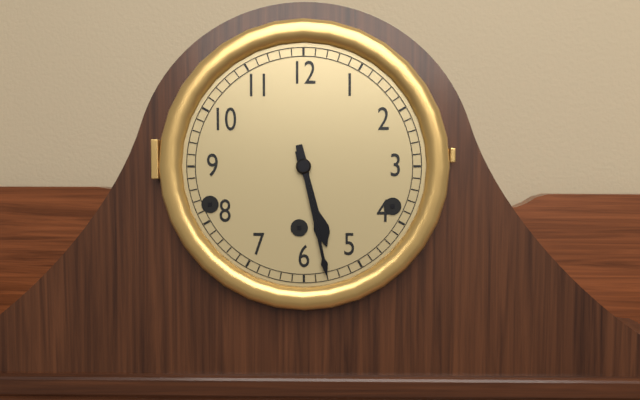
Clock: 5:28
